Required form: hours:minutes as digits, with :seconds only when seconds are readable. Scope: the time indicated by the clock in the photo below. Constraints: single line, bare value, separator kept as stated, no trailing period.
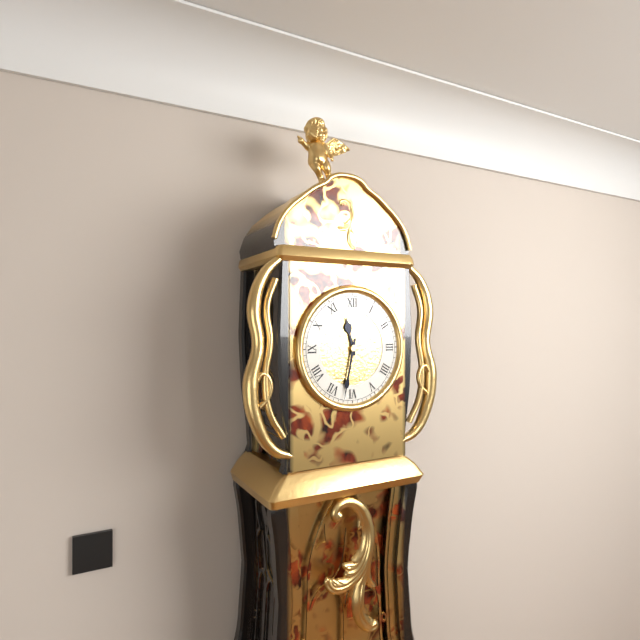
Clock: 11:32
